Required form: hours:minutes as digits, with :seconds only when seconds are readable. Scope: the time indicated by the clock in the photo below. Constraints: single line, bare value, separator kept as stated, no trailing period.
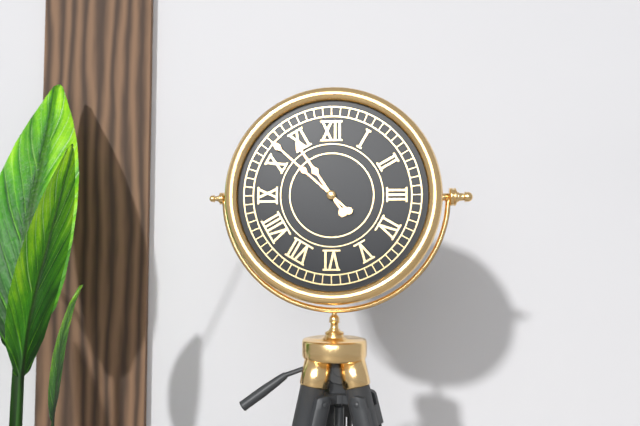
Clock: 10:52
